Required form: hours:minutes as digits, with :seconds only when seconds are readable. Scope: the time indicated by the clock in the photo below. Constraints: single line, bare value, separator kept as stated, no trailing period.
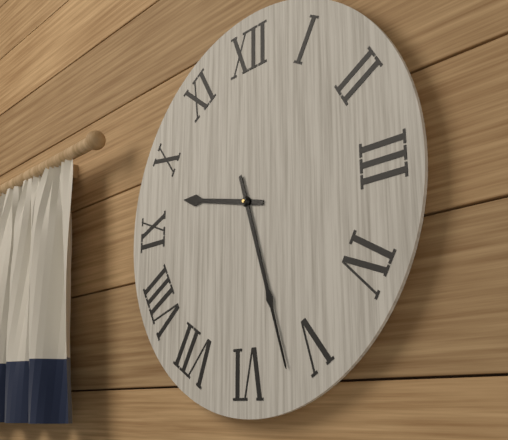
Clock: 9:27
